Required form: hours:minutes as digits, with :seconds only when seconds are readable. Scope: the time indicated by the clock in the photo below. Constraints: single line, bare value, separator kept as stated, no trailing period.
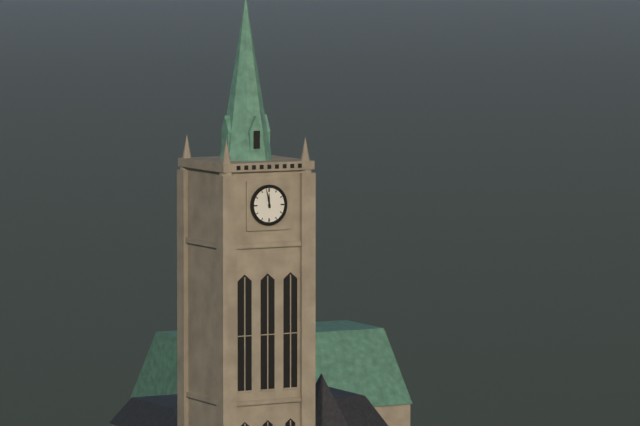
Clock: 11:58
